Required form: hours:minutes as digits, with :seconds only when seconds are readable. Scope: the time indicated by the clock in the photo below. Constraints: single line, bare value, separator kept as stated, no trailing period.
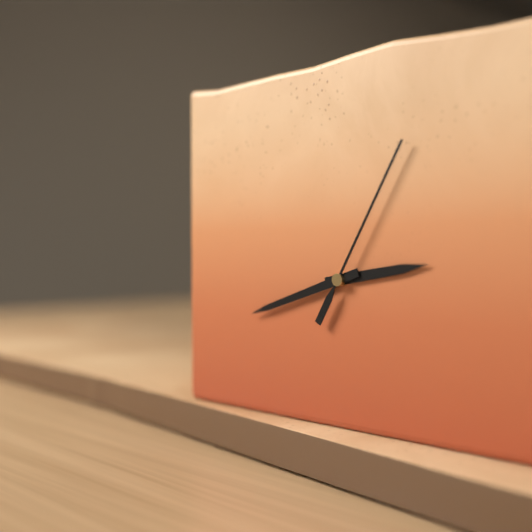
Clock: 2:42:05
